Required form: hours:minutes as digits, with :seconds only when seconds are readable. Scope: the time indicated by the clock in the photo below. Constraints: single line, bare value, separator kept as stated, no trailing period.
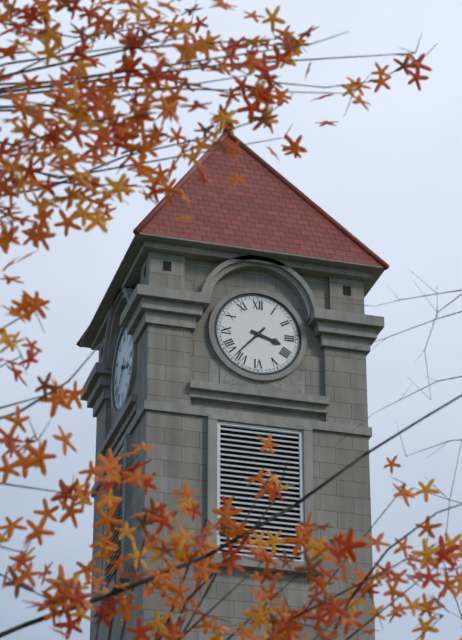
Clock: 3:37
